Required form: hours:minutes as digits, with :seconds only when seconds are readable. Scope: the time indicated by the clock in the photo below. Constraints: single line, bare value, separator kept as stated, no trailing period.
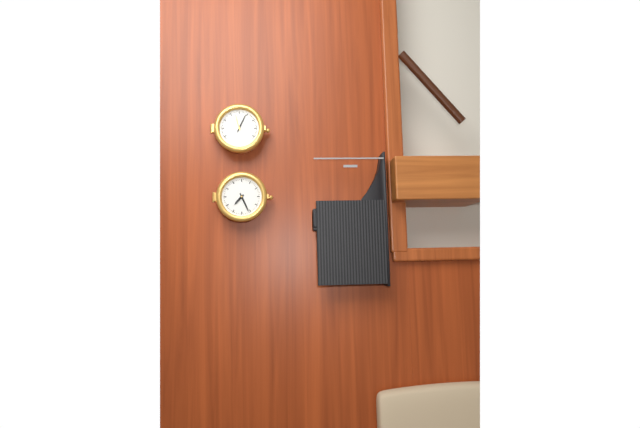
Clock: 7:26
